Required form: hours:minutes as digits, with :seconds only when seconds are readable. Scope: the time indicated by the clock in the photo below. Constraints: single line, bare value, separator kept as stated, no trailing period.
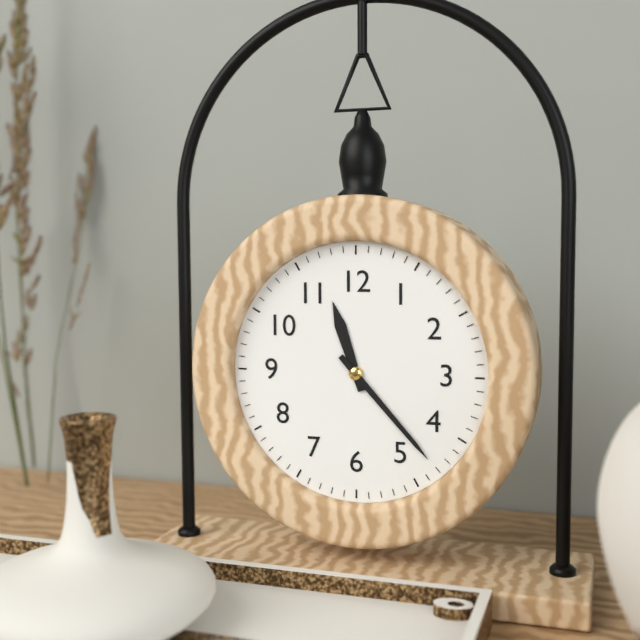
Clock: 11:23
